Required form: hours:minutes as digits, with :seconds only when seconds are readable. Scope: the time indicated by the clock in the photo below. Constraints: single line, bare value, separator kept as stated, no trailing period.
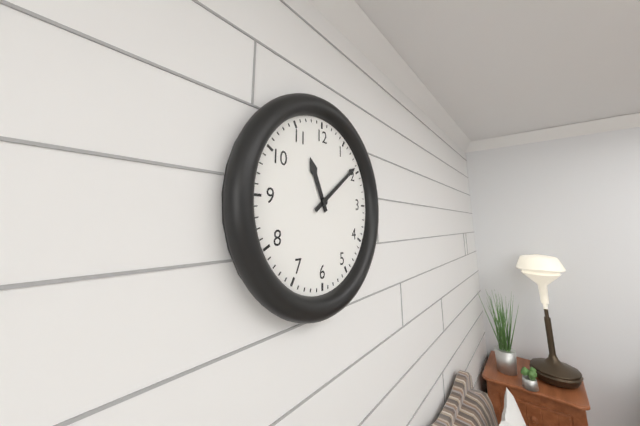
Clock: 11:09
